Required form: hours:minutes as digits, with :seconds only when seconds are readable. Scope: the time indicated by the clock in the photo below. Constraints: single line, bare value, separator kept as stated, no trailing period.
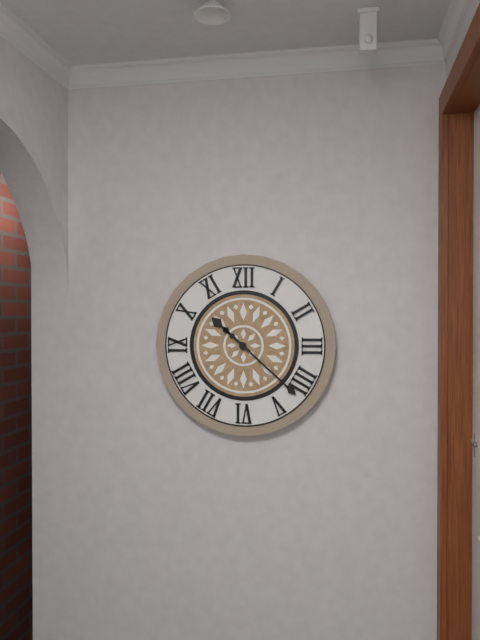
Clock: 10:22
